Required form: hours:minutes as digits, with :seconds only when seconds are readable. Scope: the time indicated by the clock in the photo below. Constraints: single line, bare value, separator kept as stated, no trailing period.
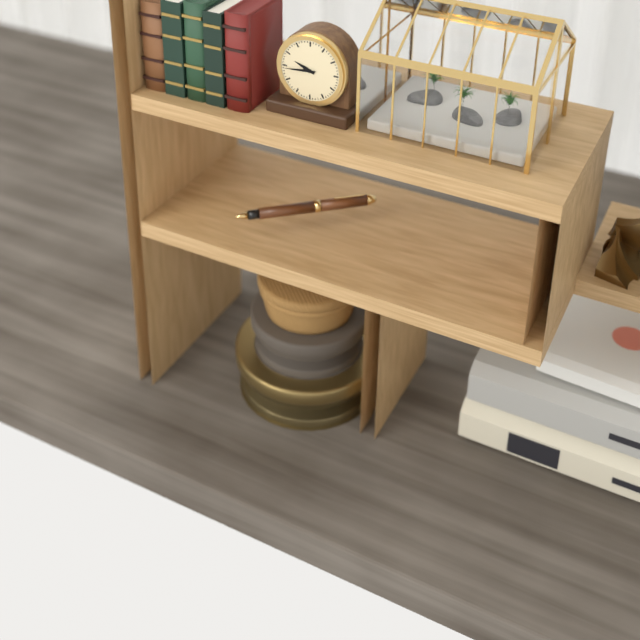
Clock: 9:44
